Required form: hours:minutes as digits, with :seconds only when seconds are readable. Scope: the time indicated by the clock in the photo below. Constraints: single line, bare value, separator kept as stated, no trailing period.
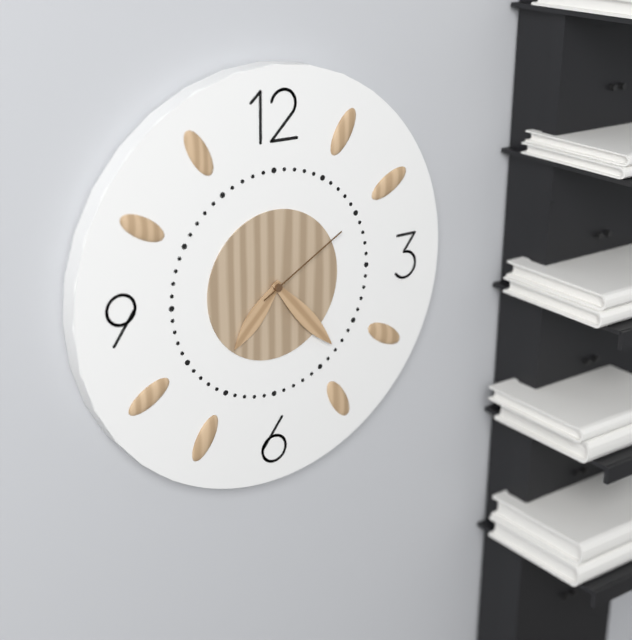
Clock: 7:23:10
